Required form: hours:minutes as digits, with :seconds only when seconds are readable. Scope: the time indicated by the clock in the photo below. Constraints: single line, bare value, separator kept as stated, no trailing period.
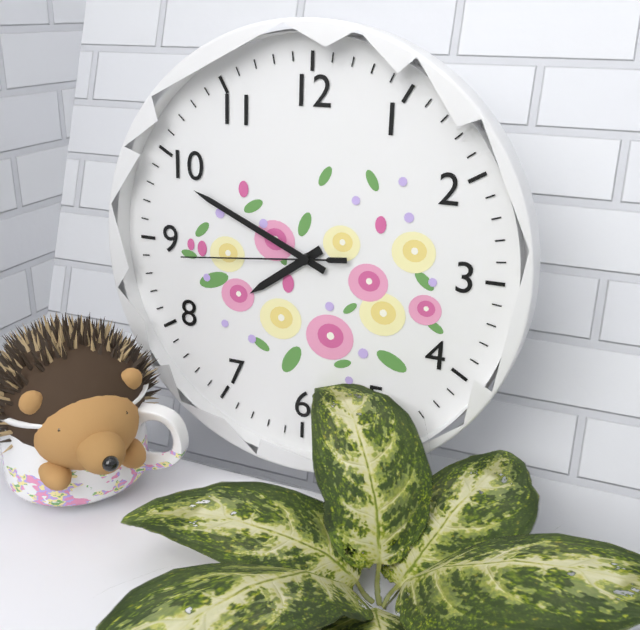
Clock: 7:49:44
